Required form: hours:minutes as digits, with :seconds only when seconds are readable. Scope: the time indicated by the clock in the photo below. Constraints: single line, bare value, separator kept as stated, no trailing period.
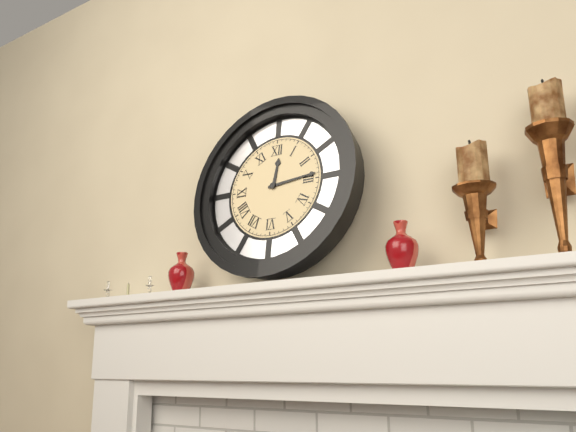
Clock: 12:14
